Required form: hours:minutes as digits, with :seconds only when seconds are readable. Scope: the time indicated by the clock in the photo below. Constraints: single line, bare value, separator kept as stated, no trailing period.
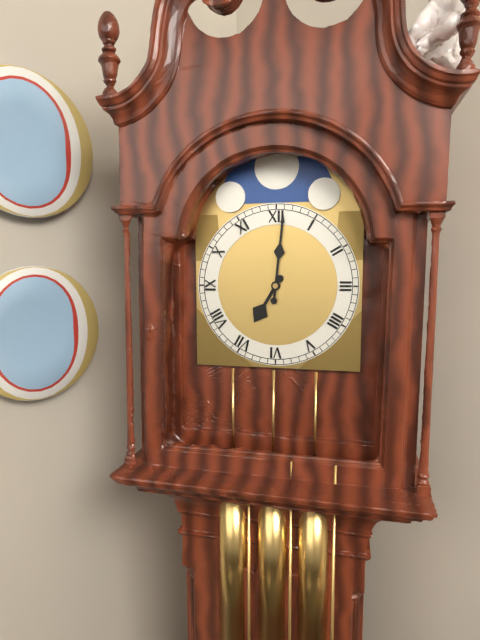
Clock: 7:01
